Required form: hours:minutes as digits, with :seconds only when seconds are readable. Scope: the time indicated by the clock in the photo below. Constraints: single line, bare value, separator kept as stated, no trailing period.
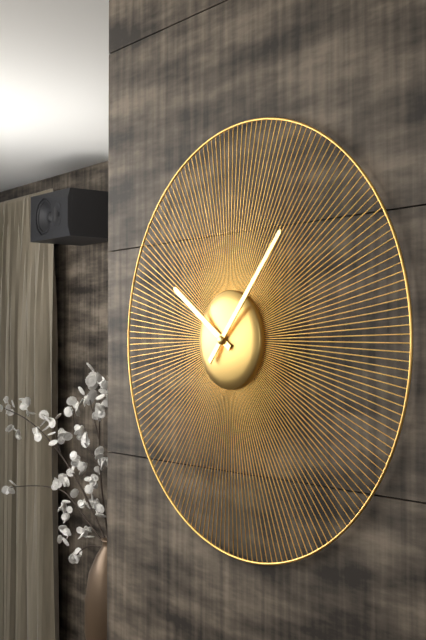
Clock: 10:07
